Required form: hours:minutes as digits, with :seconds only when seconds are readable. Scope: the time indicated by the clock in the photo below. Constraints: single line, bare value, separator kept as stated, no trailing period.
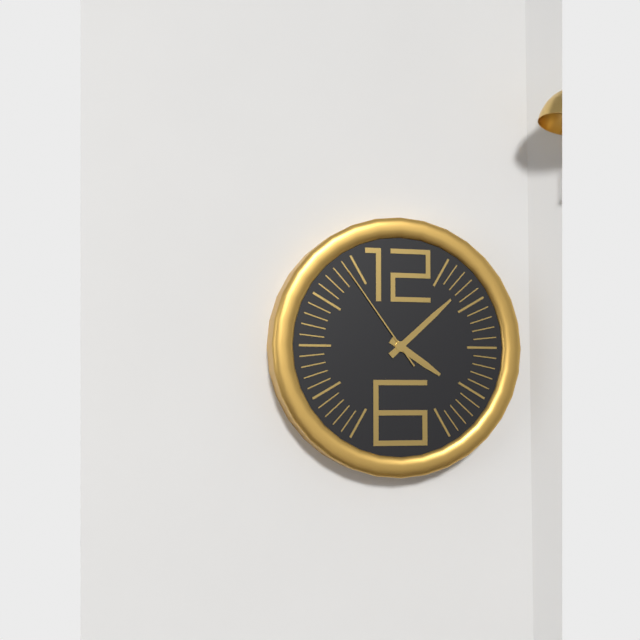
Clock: 4:08:54
